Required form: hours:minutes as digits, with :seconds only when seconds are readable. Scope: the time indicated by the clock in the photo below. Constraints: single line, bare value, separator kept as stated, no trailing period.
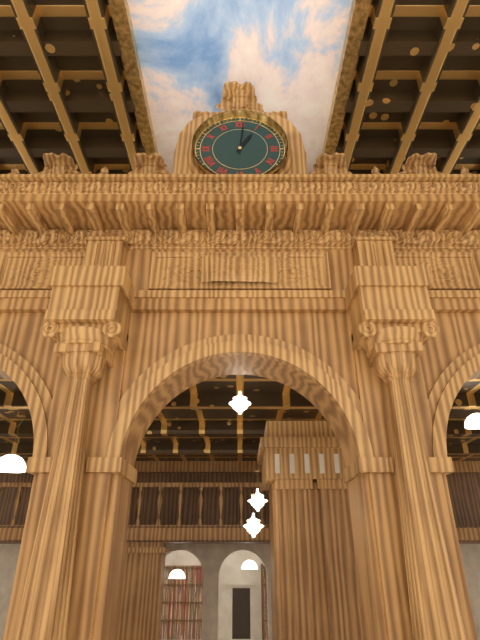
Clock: 1:01
